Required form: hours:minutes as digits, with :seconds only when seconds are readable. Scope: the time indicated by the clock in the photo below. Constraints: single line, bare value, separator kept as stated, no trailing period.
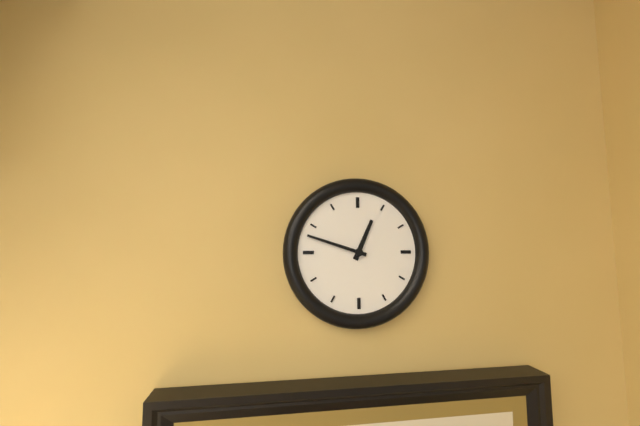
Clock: 12:48
